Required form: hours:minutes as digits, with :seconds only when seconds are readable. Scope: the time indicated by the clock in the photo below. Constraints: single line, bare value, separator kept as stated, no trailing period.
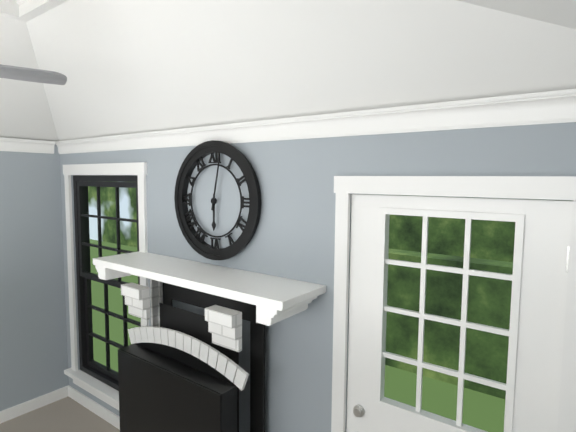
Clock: 6:02
